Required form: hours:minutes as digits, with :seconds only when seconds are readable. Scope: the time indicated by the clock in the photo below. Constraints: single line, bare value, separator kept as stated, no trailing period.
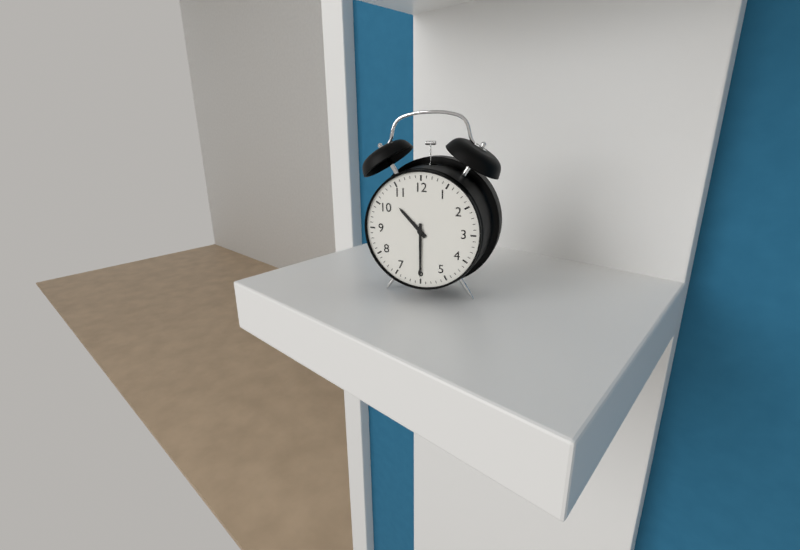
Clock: 10:30
